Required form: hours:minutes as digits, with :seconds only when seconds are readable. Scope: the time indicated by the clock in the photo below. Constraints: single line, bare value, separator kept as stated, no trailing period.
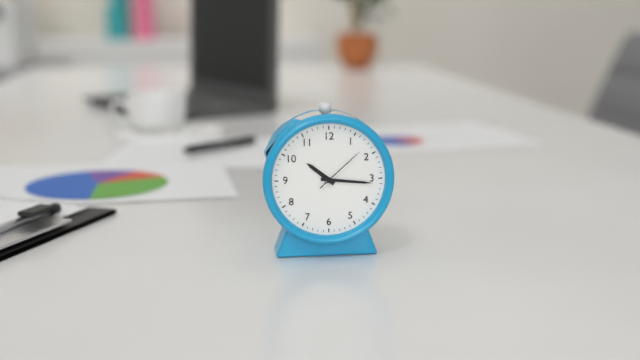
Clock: 10:16:08
